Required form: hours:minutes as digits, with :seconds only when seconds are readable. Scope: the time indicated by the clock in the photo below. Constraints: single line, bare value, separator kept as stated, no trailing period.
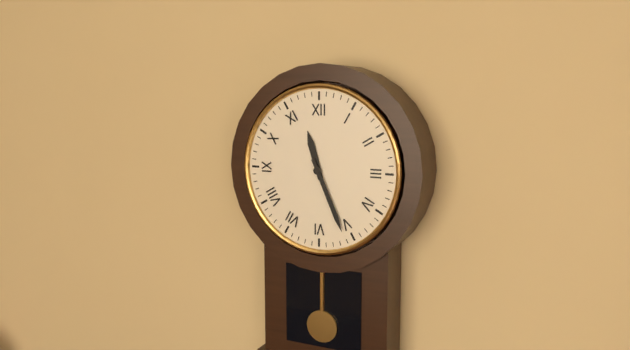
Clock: 11:26
